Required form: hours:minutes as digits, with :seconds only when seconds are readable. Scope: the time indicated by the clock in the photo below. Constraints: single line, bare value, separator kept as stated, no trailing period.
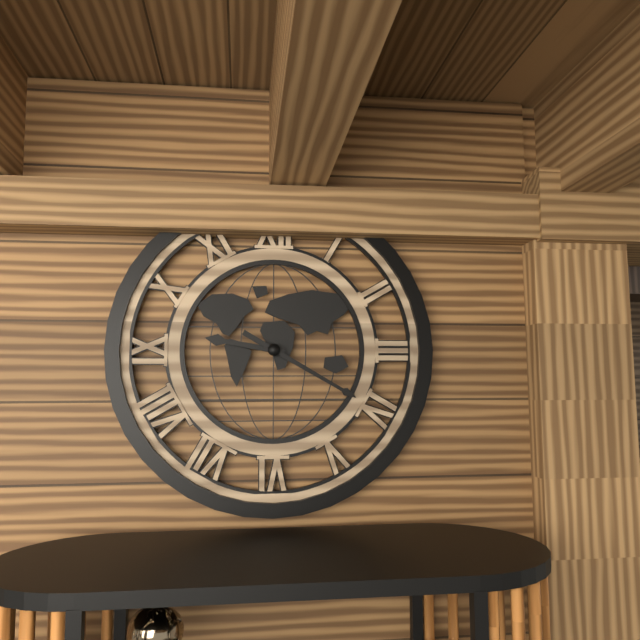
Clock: 9:20
